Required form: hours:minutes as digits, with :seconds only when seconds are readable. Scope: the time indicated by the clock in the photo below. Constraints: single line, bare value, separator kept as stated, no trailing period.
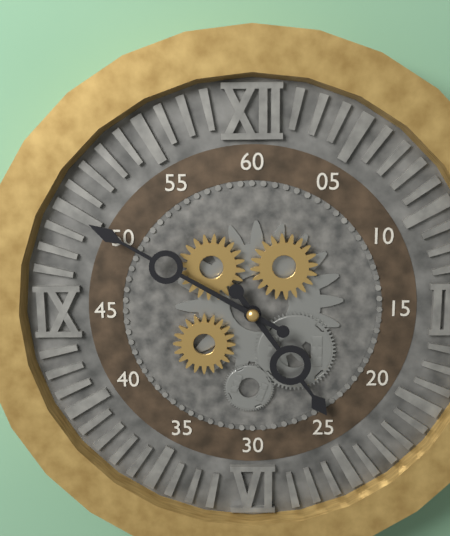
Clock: 4:50
